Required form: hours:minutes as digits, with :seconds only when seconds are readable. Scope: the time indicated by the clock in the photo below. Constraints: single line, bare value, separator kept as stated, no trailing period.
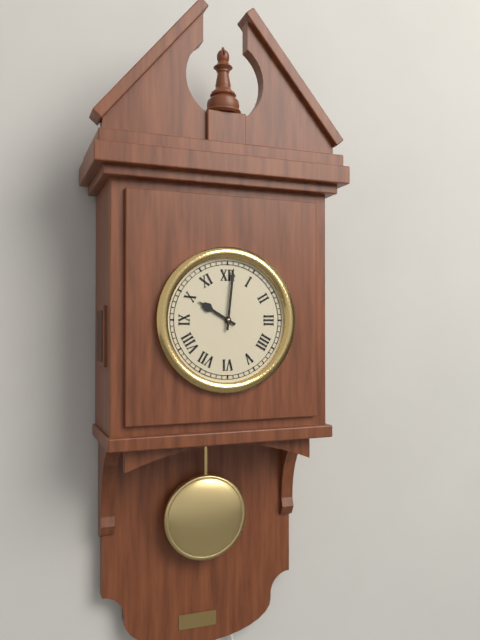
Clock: 10:01
